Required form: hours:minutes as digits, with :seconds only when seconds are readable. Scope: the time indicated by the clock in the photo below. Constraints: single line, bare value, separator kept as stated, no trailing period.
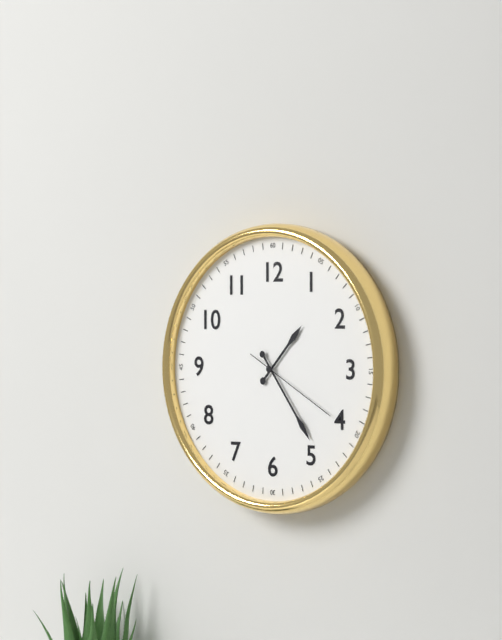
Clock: 1:24:20
